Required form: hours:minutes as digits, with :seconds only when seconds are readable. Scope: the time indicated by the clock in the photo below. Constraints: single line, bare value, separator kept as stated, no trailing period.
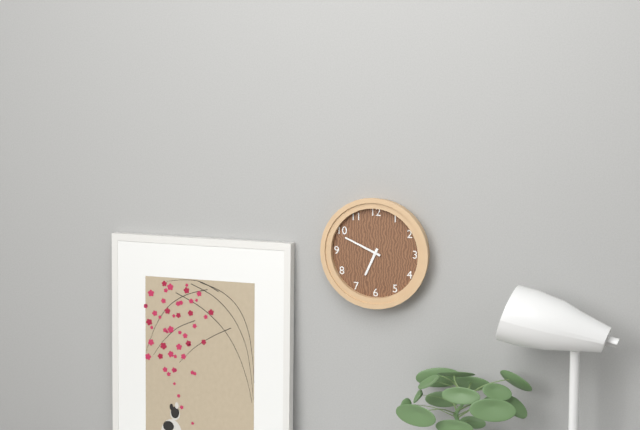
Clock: 6:49
